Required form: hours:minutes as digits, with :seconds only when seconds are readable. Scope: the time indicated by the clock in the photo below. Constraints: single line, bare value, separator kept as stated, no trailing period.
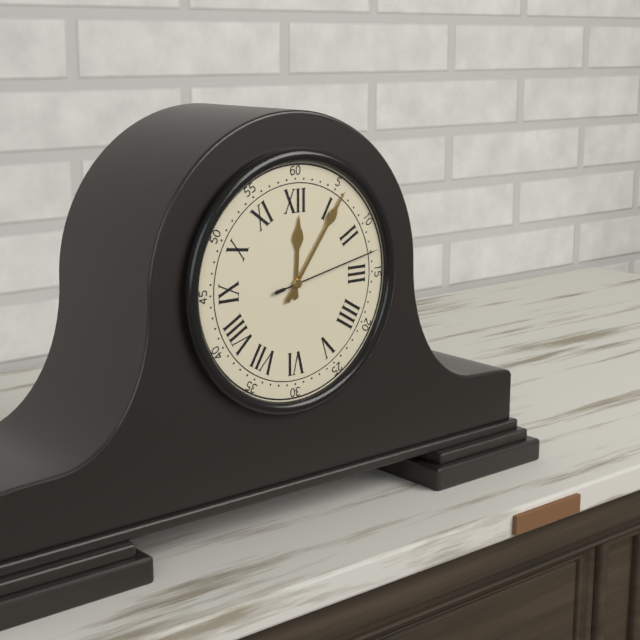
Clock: 12:06:13
